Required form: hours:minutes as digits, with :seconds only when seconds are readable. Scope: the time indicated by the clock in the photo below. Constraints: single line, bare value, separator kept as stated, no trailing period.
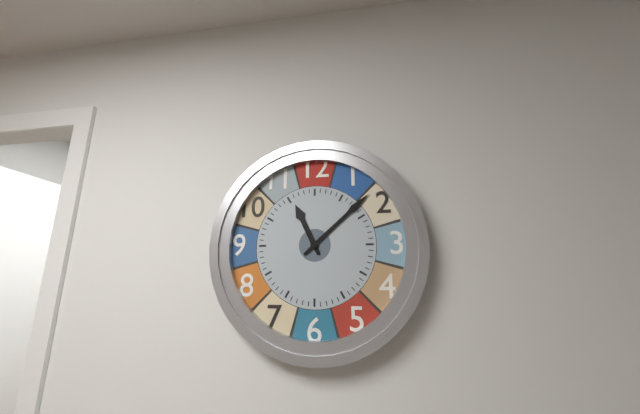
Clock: 11:08
